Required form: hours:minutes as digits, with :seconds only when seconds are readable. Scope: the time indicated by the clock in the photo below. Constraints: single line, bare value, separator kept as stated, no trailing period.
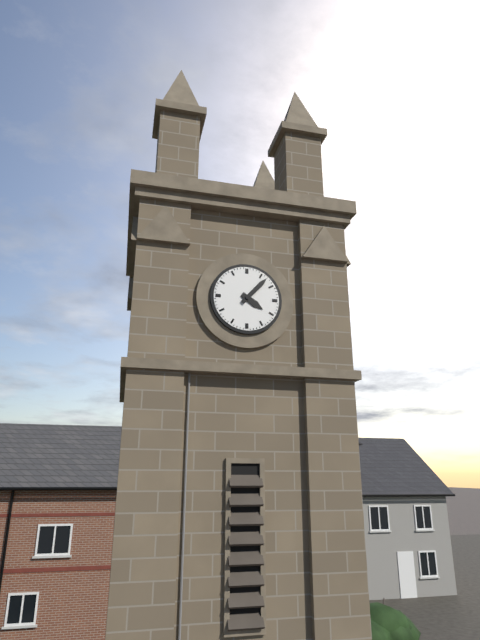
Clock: 4:07
